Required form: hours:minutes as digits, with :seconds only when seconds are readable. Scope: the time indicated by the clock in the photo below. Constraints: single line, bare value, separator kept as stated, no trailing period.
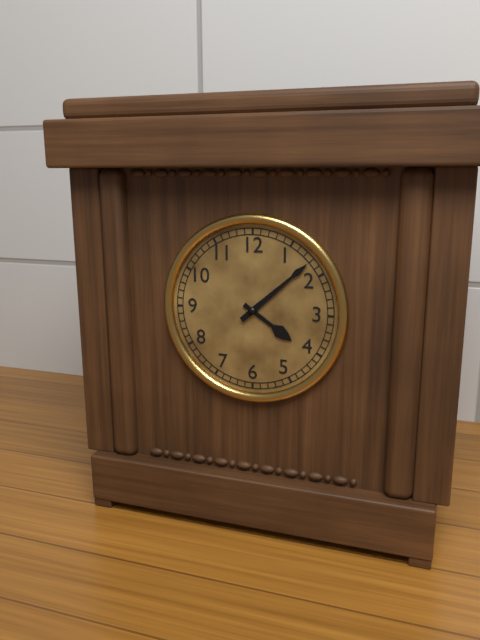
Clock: 4:08
